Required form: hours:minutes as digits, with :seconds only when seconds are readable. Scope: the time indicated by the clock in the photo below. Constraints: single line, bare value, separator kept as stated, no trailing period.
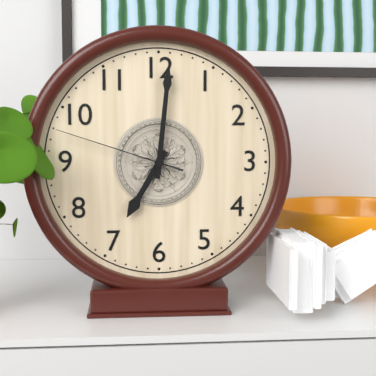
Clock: 7:01:48
